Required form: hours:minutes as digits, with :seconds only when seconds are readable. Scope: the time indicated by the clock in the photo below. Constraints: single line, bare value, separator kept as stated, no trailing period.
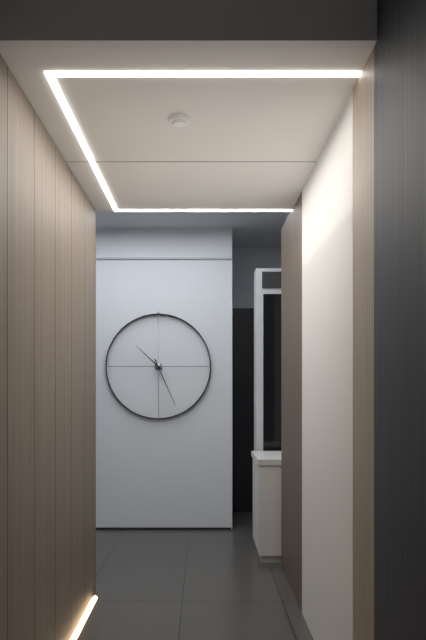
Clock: 10:26
